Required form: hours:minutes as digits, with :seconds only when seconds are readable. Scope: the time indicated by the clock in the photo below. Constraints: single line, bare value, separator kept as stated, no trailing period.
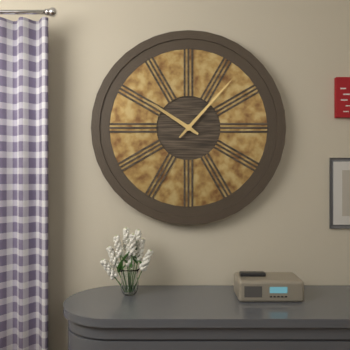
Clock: 10:07
